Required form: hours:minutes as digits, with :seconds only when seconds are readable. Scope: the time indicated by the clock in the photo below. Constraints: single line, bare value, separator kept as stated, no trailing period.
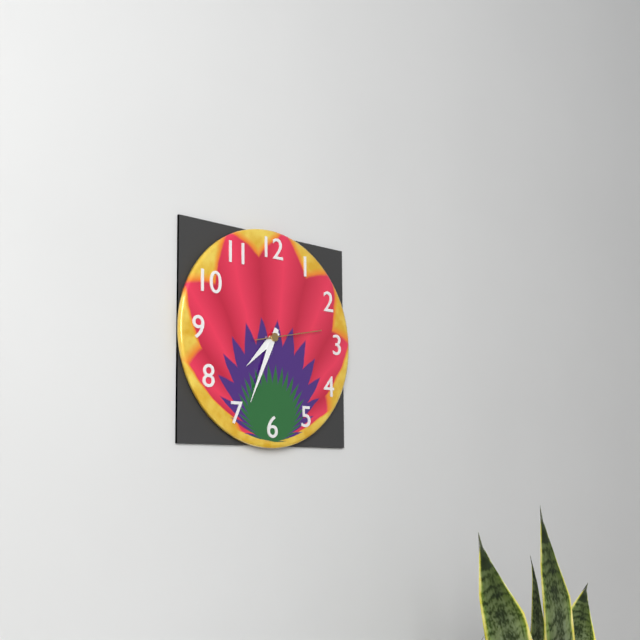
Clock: 7:34:13
